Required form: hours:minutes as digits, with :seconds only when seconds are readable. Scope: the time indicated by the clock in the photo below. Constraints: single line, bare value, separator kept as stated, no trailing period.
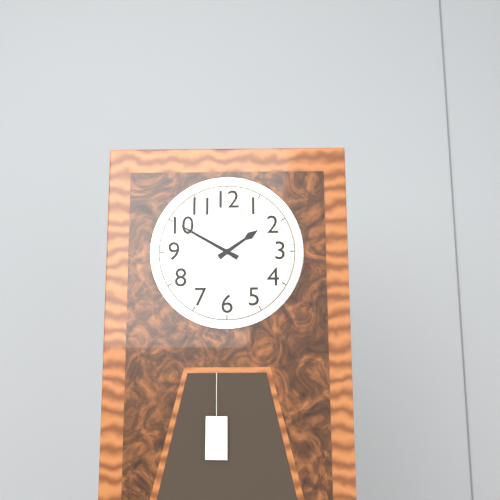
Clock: 1:50
